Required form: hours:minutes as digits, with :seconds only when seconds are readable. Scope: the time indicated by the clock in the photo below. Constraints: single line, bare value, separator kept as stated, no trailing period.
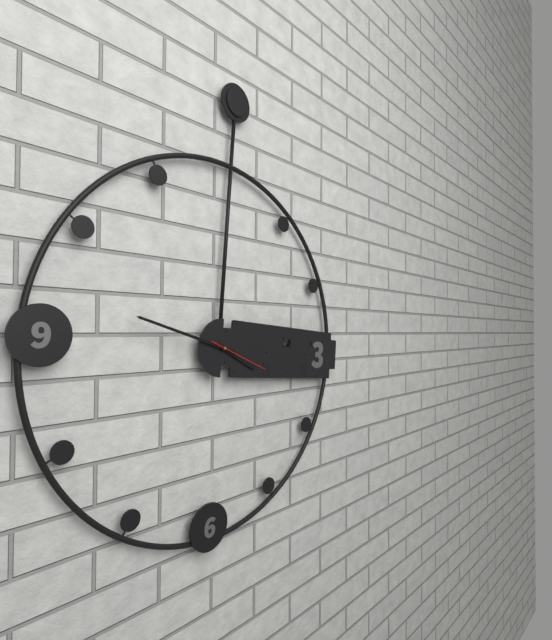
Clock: 3:47:18
